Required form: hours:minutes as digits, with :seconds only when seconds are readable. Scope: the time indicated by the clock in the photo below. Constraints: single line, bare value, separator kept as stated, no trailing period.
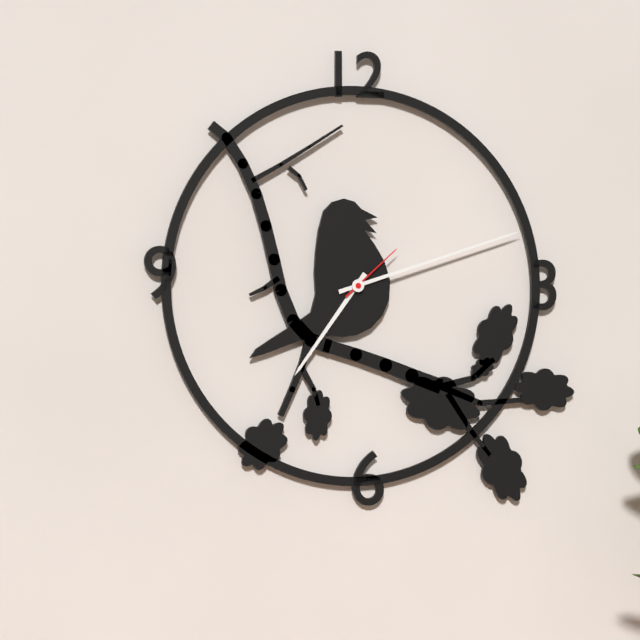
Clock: 7:12:08
